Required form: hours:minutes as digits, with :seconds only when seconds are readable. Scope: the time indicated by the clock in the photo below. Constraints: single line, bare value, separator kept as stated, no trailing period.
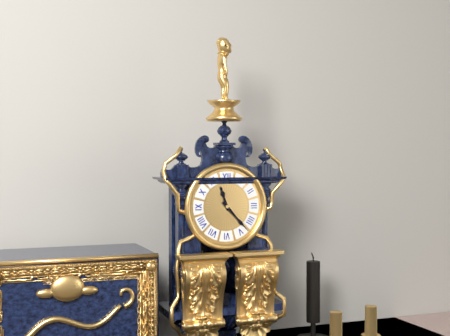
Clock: 11:23
